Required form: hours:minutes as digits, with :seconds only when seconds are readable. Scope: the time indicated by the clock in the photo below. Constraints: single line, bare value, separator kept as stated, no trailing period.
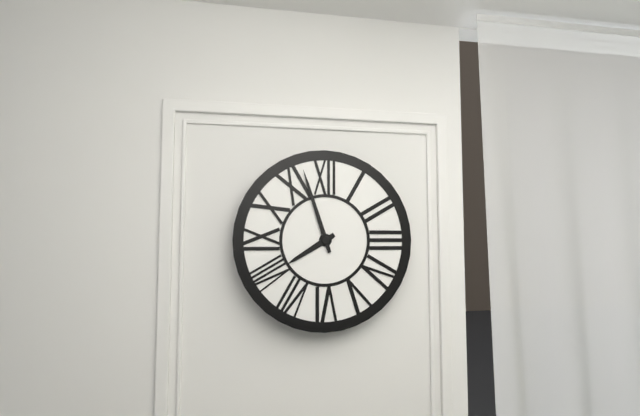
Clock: 7:57
